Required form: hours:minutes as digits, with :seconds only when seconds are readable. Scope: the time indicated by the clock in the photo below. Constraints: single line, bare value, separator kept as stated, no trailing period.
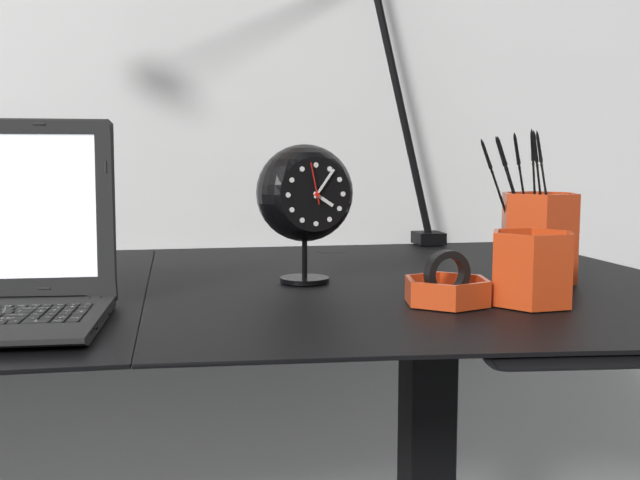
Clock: 4:06
